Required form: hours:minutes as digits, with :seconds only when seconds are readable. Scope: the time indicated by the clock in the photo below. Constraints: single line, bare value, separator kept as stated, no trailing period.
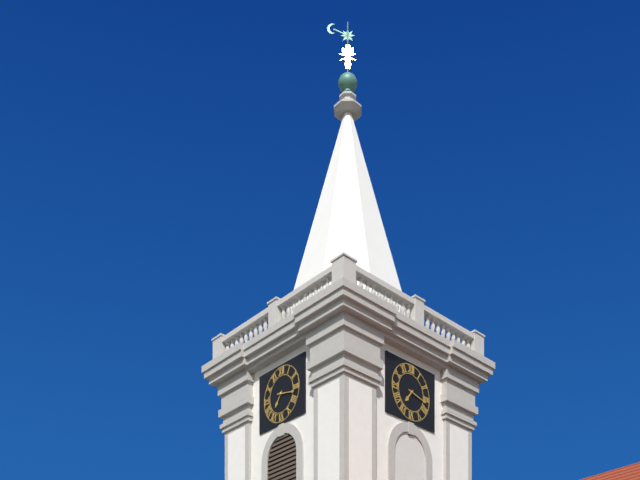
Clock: 7:17
